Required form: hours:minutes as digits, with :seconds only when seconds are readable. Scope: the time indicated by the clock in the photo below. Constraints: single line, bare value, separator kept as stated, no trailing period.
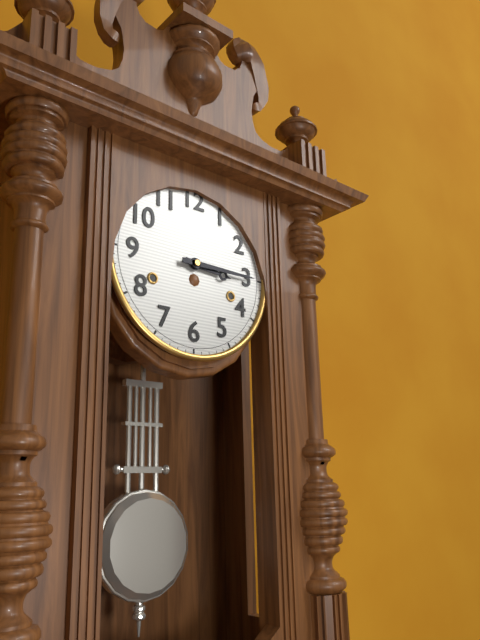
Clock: 3:15
